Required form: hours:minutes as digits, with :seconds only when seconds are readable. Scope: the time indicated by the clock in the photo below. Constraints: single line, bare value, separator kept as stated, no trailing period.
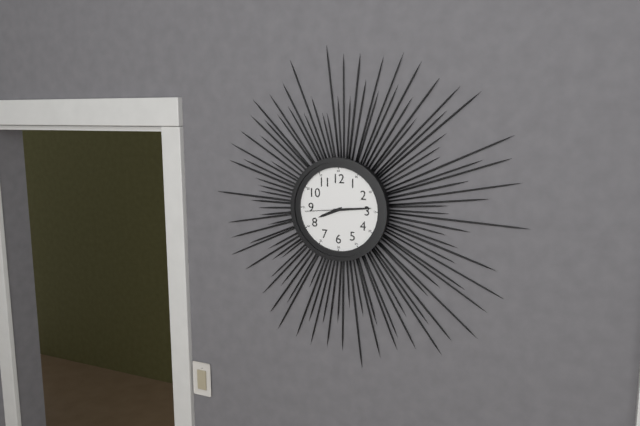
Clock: 8:14
